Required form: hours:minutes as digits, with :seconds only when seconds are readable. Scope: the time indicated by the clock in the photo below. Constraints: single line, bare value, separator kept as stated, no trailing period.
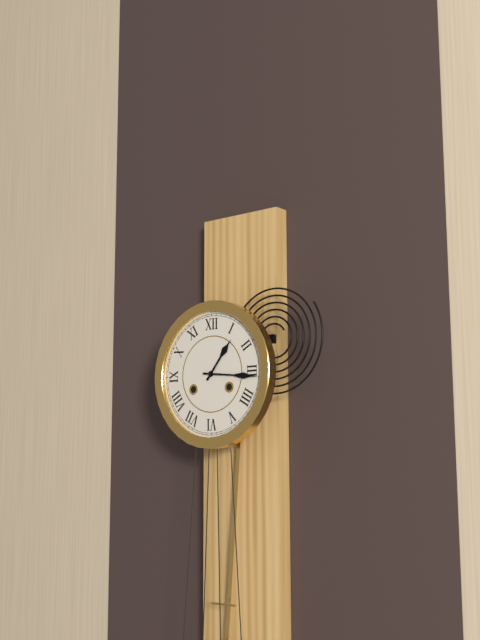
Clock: 1:16
